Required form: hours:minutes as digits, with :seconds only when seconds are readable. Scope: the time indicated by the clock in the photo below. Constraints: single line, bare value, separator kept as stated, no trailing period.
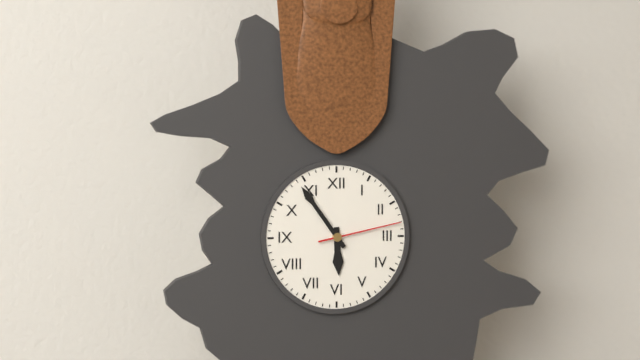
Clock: 5:54:13
